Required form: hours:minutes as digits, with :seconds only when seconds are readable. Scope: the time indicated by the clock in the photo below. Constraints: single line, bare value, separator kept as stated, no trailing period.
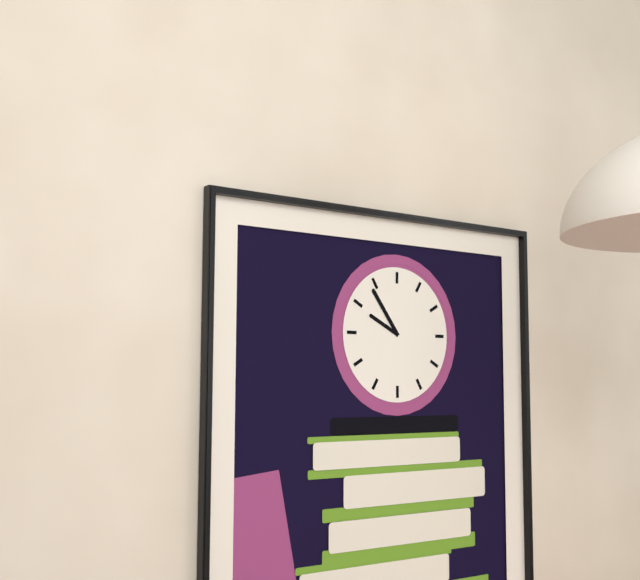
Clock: 9:54
